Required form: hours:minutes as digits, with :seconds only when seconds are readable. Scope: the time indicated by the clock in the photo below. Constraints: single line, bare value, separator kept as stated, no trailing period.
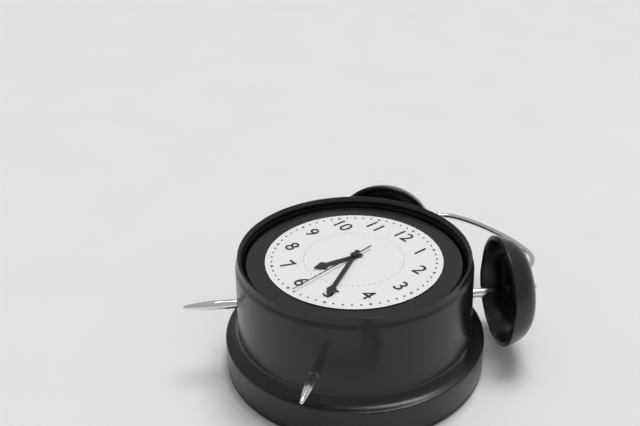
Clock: 6:25:29
